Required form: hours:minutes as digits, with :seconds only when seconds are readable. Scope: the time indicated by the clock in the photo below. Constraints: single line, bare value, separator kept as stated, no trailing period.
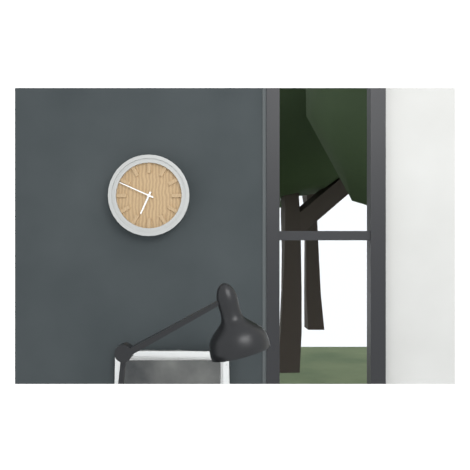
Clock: 6:49
